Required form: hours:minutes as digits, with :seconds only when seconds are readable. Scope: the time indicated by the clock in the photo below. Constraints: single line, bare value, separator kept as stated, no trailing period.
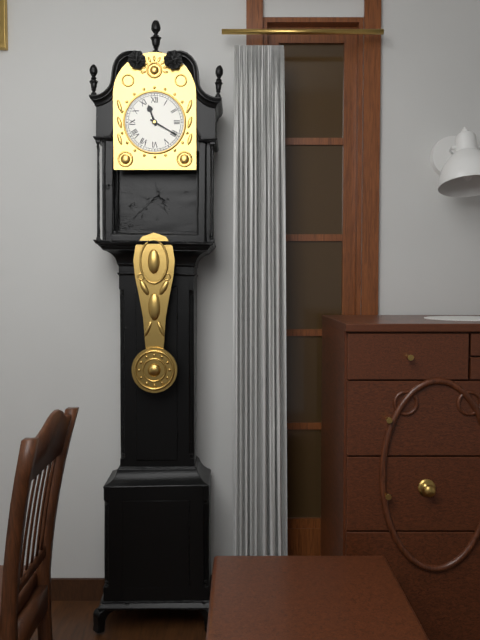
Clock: 11:20
